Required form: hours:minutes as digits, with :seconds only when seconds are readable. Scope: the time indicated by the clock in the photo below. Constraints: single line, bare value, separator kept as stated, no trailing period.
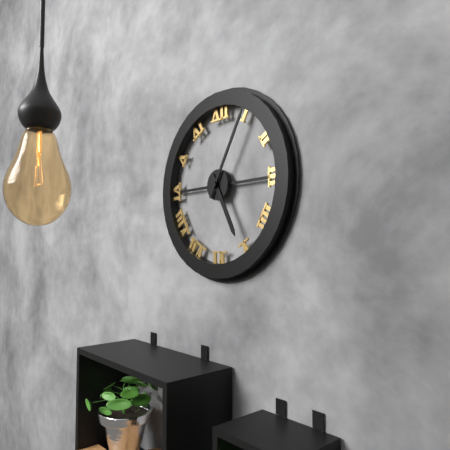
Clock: 5:05
